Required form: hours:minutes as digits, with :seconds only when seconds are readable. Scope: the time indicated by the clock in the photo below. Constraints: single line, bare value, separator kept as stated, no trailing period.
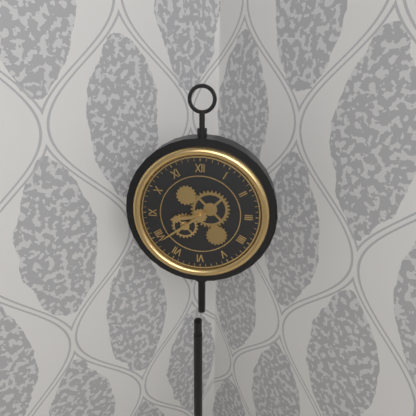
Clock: 8:39
